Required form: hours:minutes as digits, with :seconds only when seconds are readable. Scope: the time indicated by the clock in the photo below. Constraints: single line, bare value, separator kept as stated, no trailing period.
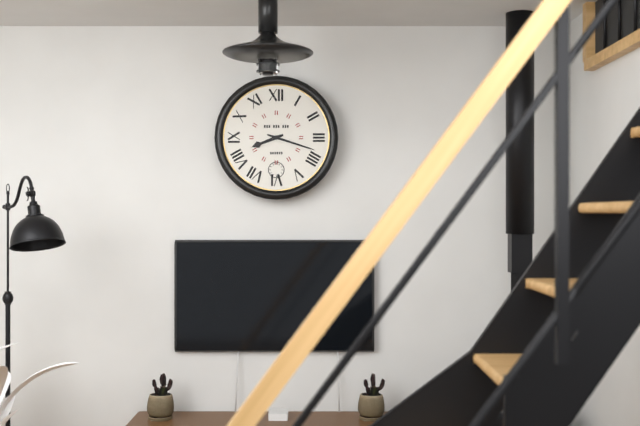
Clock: 8:18
